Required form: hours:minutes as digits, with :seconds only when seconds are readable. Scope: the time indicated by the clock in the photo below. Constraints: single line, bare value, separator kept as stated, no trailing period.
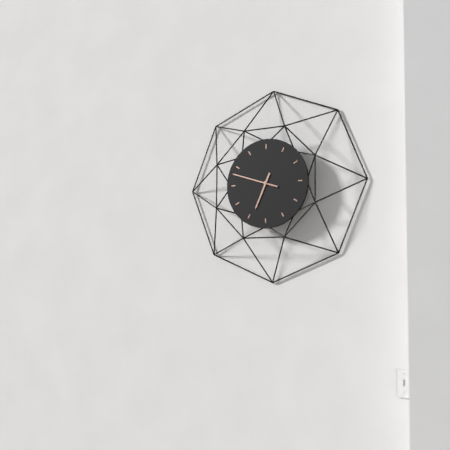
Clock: 6:48
